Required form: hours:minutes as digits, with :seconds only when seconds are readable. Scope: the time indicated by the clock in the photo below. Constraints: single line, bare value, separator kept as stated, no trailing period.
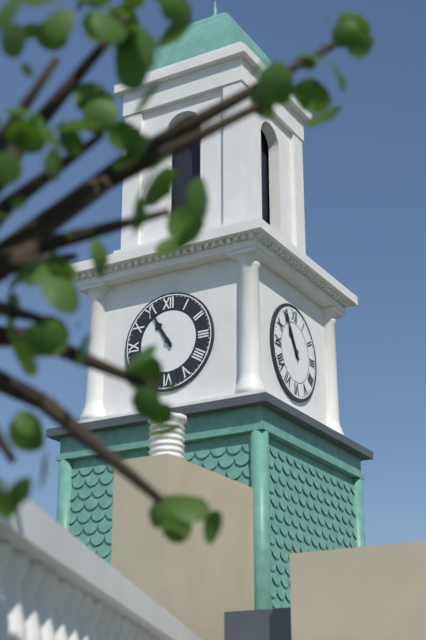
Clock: 10:55
